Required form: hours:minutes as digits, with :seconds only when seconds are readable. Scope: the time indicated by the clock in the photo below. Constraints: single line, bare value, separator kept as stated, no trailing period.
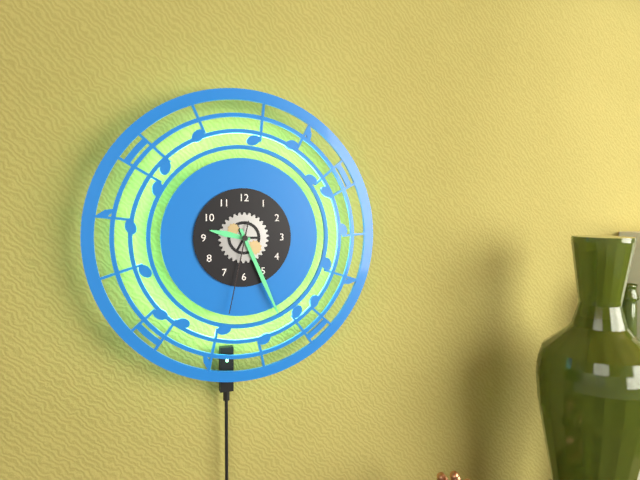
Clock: 9:26:32
